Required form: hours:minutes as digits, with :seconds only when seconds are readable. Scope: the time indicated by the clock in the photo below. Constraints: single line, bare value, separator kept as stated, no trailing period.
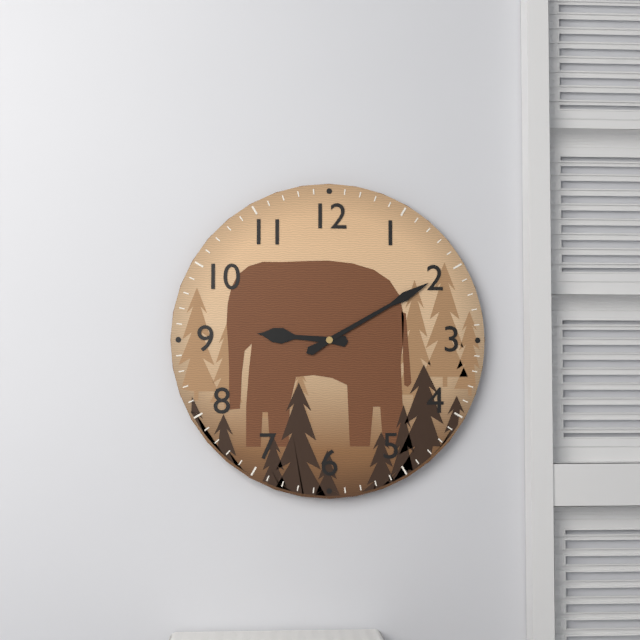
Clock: 9:10
